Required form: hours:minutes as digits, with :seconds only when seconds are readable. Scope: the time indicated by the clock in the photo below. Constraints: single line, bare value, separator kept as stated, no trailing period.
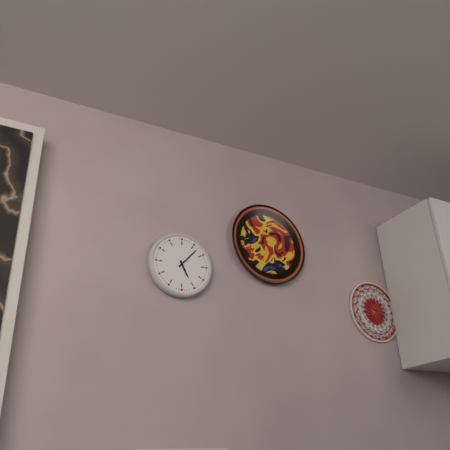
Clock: 5:07
